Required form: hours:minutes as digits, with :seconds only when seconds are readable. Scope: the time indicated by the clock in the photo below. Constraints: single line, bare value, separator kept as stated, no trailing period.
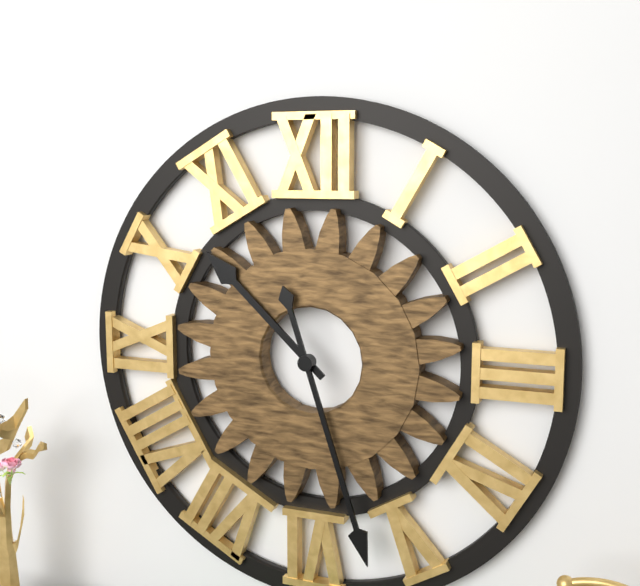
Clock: 10:27
